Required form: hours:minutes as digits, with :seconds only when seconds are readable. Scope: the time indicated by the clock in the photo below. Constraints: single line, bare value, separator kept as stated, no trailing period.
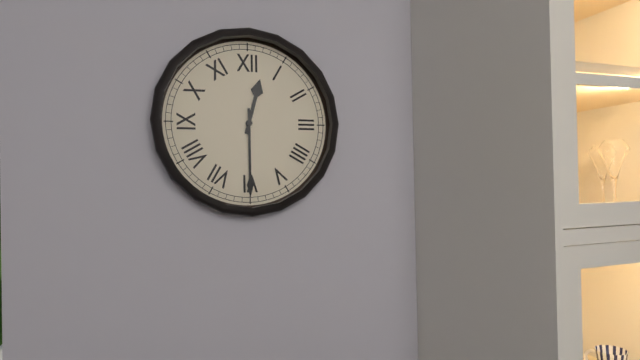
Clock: 12:30
